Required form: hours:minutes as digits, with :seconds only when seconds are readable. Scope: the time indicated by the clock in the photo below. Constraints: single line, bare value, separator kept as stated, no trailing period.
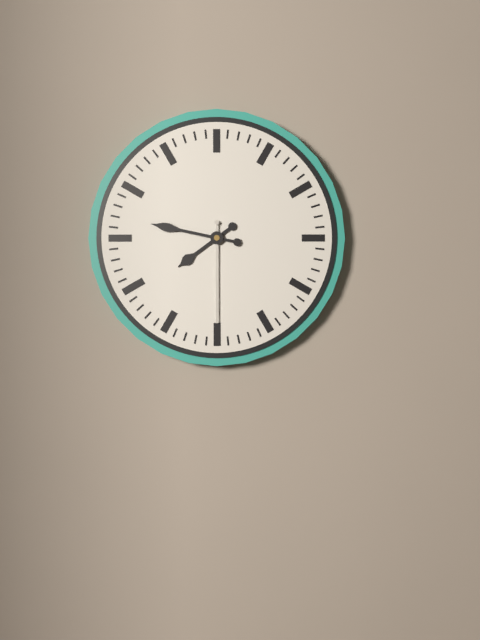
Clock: 7:47:30
